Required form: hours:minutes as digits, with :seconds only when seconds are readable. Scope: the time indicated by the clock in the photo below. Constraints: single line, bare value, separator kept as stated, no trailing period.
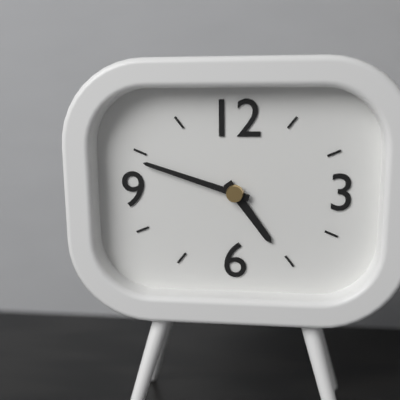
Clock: 4:48
